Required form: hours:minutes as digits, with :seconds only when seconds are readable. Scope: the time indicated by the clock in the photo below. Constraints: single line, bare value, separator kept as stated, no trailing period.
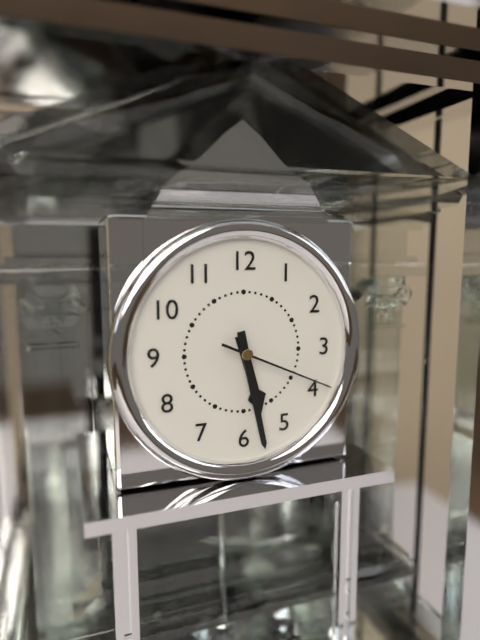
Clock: 5:28:19
